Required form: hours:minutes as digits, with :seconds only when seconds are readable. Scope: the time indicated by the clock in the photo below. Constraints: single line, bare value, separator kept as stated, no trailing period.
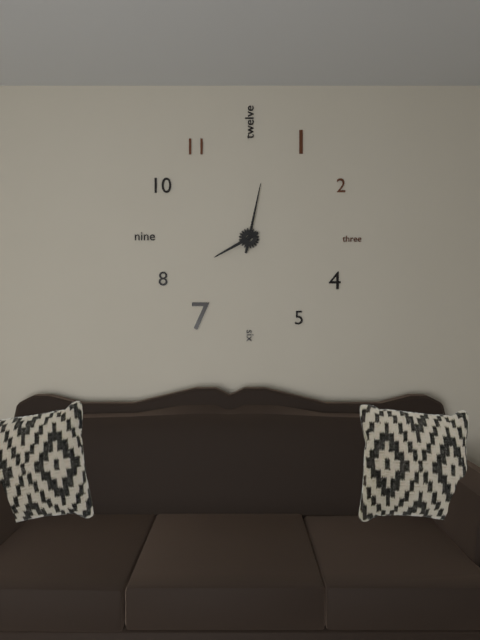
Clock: 8:02
